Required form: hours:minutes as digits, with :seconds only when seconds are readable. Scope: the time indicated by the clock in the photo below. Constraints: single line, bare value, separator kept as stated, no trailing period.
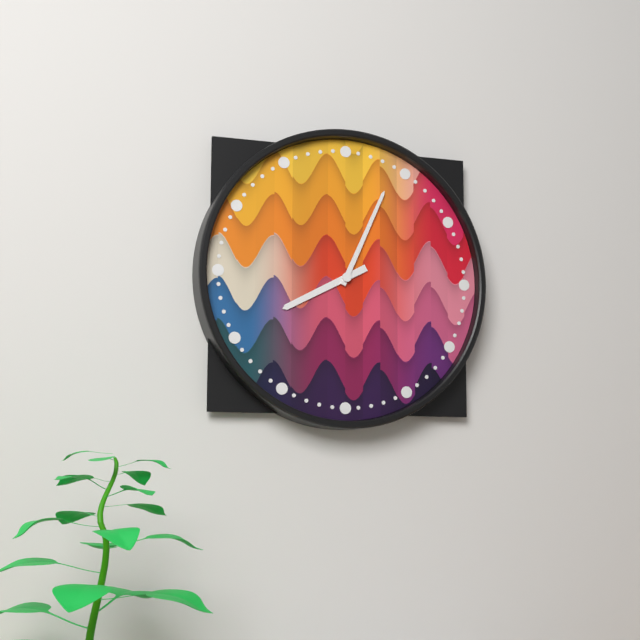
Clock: 8:04
